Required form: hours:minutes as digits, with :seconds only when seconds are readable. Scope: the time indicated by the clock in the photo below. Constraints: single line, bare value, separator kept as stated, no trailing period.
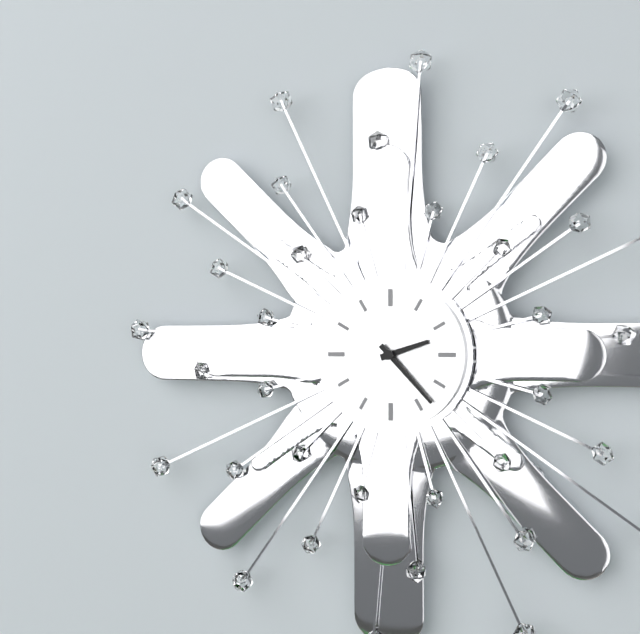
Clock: 2:23
